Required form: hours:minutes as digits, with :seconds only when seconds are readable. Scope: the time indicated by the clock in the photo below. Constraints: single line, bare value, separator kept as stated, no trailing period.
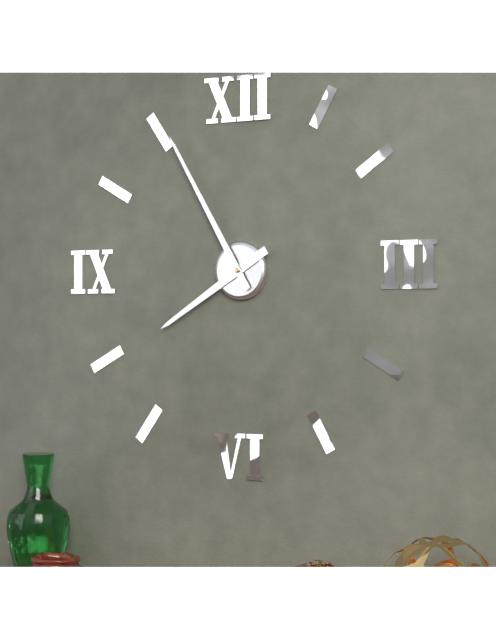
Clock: 7:55
